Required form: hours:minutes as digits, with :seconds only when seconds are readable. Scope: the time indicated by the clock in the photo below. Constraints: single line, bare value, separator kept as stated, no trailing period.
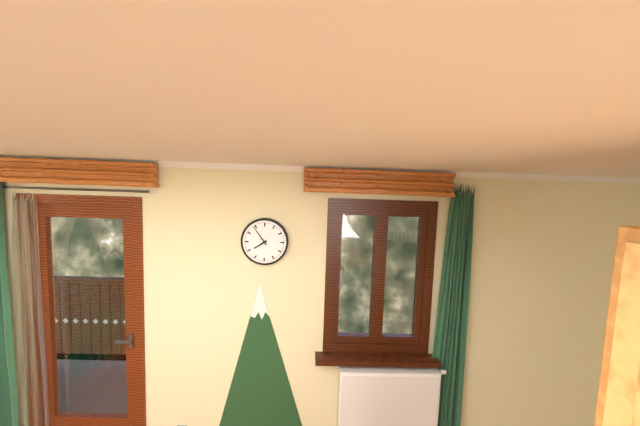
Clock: 7:54
